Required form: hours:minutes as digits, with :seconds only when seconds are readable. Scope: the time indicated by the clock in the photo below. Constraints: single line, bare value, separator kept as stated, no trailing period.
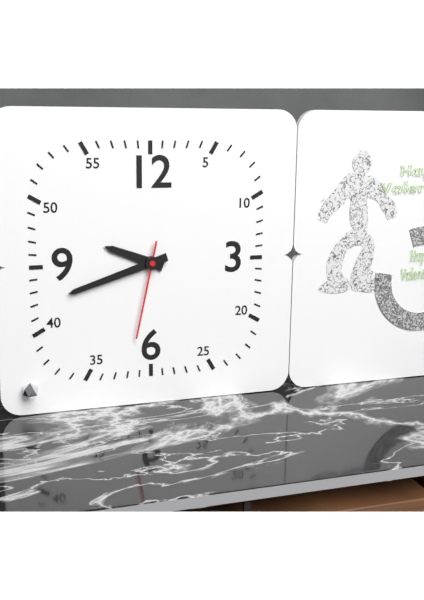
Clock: 9:42:32
